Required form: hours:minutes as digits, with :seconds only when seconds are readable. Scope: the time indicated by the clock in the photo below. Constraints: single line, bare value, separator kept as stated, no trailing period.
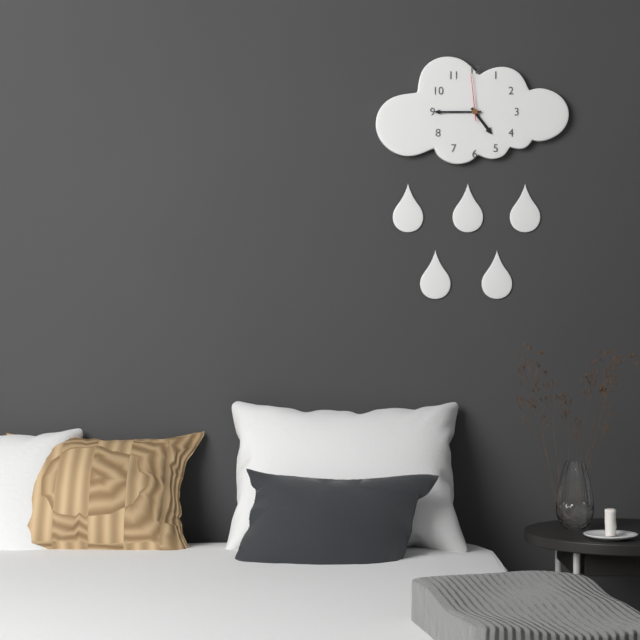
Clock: 4:45
